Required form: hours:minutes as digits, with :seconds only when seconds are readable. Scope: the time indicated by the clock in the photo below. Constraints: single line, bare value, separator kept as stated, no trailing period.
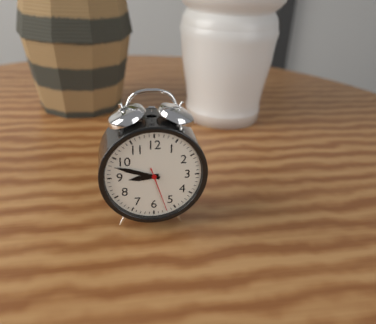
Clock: 8:48:27
